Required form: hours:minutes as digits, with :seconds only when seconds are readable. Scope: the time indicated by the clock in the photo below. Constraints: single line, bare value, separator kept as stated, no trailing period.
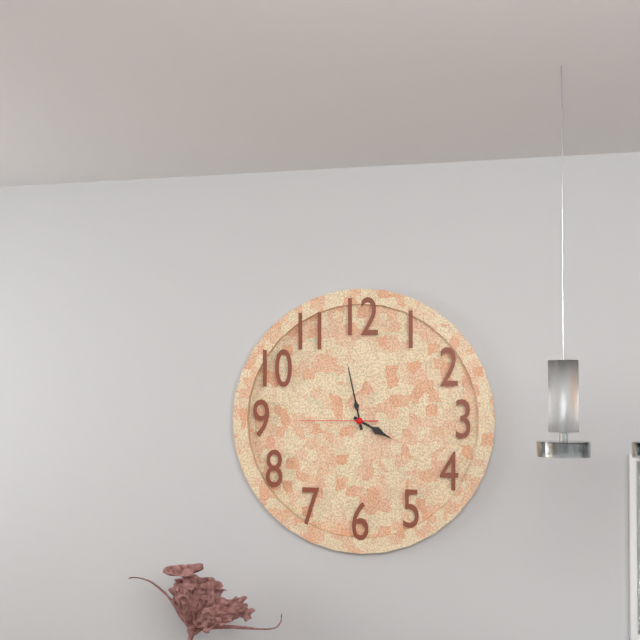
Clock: 3:58:45
